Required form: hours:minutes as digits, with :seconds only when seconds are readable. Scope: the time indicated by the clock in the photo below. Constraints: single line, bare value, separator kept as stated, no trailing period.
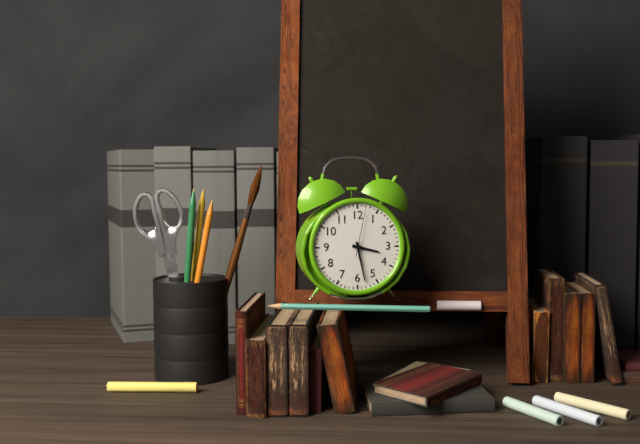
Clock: 3:28:02
